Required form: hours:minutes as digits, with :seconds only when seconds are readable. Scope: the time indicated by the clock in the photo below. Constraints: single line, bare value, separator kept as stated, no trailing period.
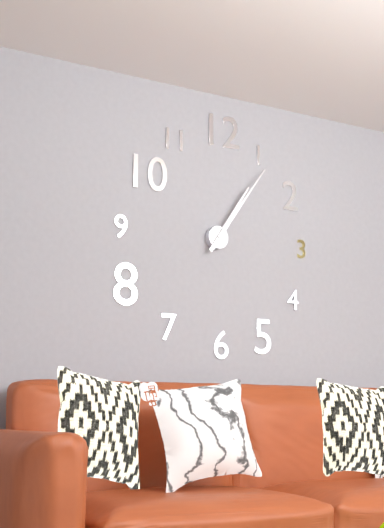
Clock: 1:06
